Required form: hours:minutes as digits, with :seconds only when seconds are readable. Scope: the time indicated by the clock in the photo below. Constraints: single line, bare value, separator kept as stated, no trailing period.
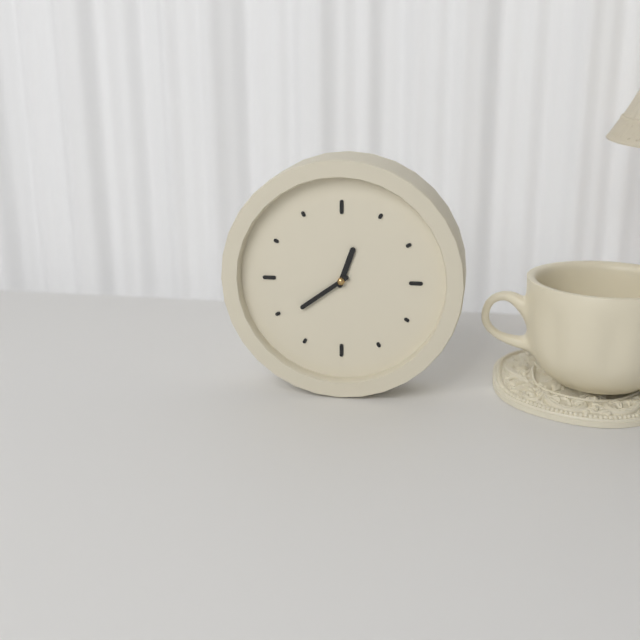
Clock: 12:39
